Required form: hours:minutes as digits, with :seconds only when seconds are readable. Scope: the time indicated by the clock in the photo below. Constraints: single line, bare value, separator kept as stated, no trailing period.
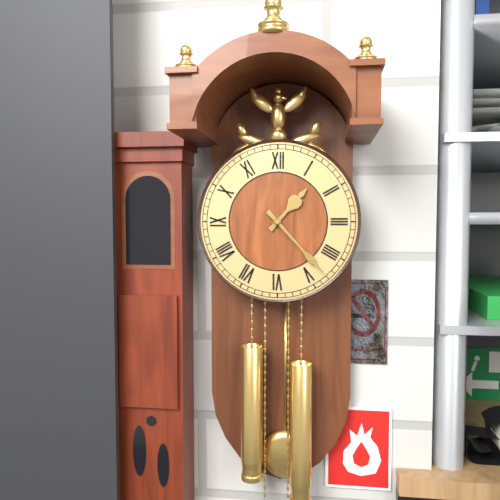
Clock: 1:23
